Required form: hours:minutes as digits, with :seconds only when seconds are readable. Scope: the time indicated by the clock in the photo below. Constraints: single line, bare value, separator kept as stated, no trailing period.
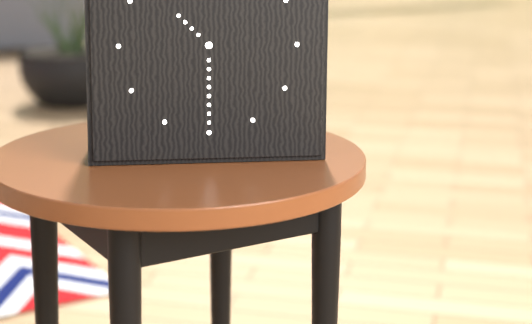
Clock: 10:30
